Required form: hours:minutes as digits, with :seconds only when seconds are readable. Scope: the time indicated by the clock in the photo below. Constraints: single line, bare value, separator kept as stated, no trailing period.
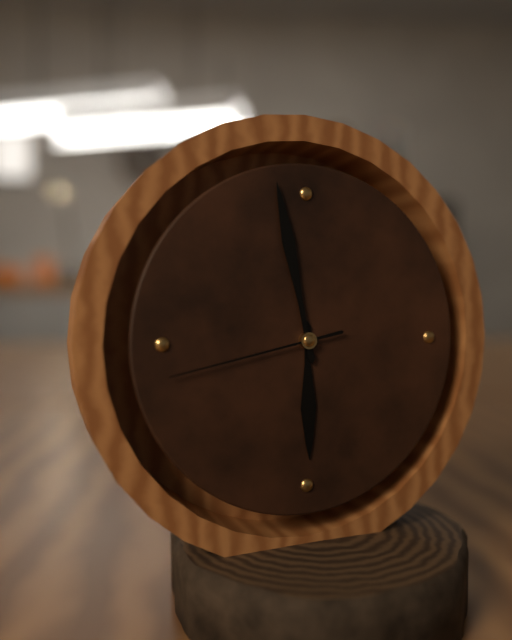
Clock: 5:58:43
